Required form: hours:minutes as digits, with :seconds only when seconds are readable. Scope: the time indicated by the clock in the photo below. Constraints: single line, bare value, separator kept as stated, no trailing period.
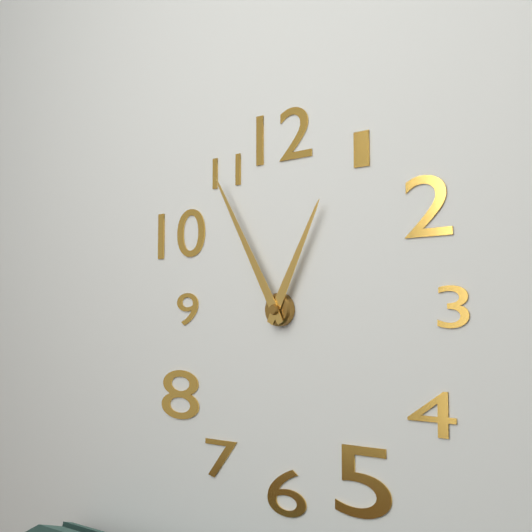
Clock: 12:55
